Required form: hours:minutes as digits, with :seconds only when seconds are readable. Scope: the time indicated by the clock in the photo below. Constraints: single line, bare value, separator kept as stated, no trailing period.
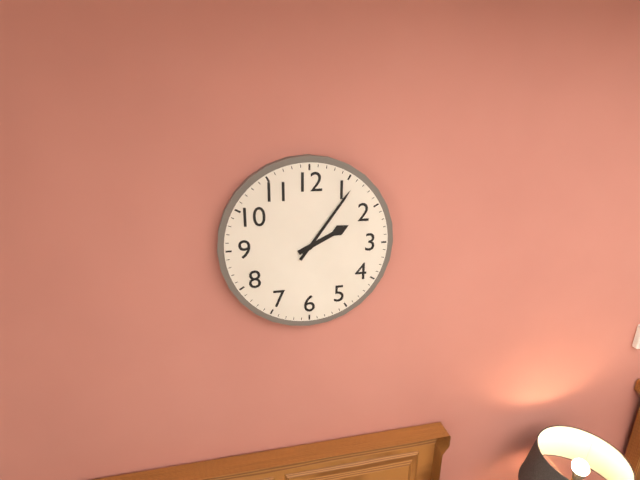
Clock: 2:06
